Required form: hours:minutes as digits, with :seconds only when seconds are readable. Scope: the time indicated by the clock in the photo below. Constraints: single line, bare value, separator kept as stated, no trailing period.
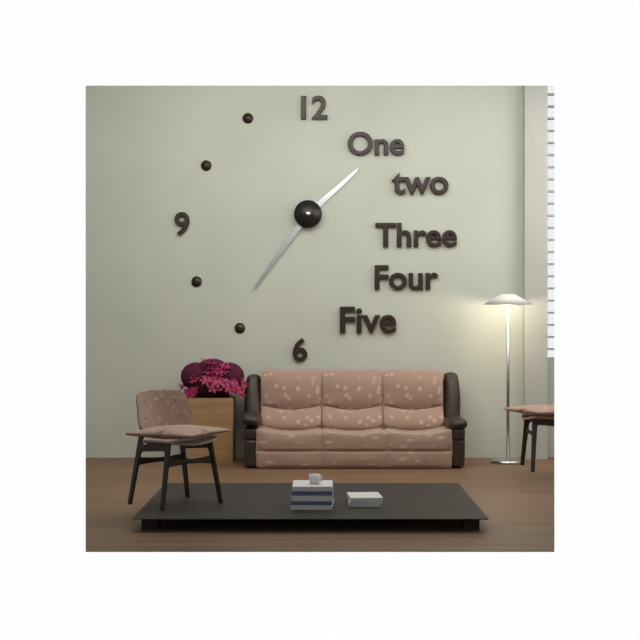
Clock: 1:36
